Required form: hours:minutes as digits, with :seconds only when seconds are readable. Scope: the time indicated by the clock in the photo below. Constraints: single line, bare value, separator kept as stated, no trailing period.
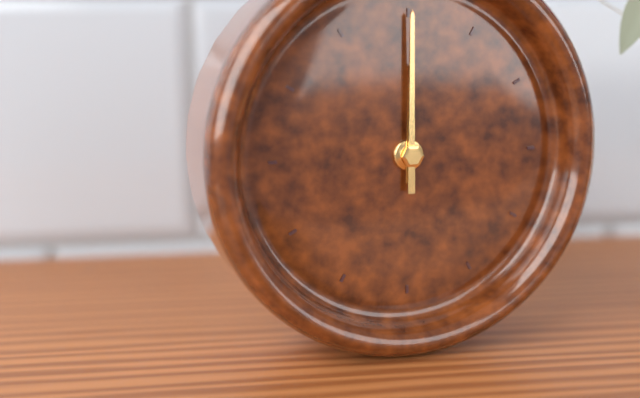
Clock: 12:00
